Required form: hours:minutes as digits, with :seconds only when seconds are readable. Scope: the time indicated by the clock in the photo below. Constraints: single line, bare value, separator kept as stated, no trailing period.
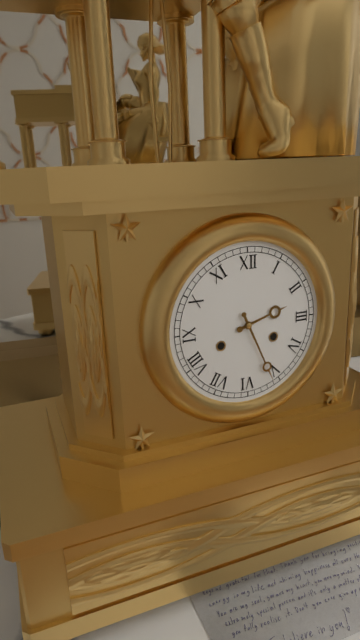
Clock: 2:26
